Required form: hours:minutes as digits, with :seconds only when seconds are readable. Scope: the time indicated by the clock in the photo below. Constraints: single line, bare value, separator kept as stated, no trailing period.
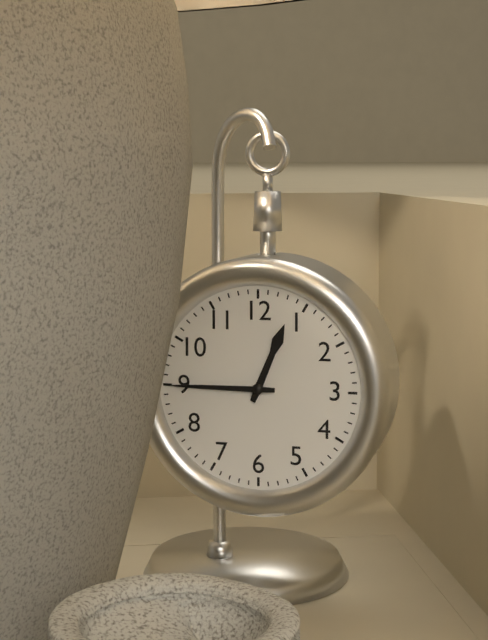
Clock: 12:45
